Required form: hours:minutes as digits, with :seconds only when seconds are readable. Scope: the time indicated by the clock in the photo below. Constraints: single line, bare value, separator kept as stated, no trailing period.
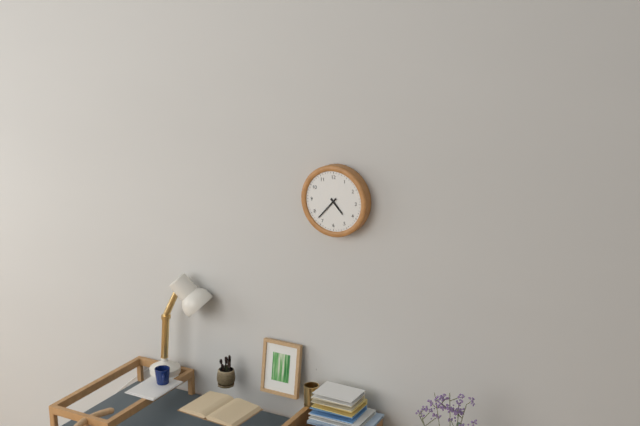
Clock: 4:37
